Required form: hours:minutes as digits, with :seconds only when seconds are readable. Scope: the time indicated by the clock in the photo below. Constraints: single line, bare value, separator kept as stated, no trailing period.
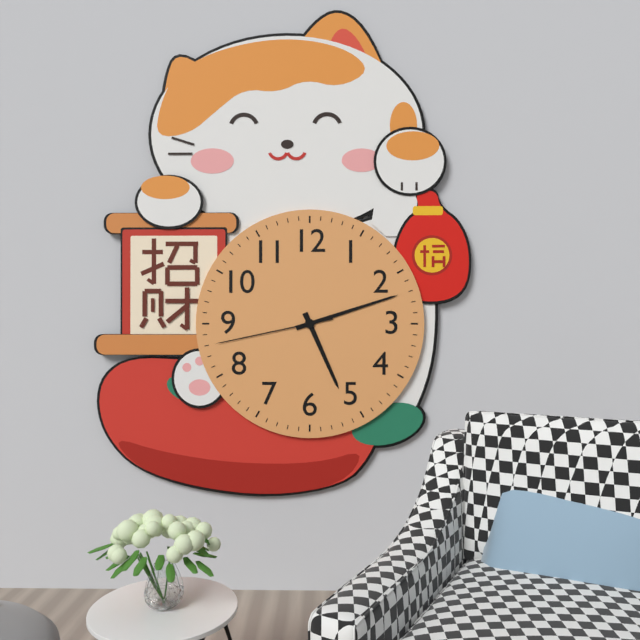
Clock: 5:12:43
